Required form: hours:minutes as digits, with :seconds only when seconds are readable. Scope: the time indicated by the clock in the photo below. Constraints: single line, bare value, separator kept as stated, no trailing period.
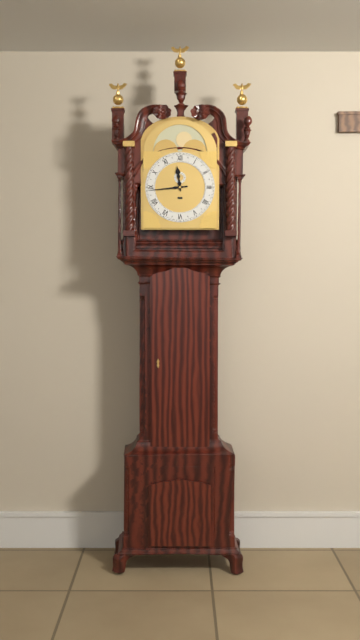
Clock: 11:44
